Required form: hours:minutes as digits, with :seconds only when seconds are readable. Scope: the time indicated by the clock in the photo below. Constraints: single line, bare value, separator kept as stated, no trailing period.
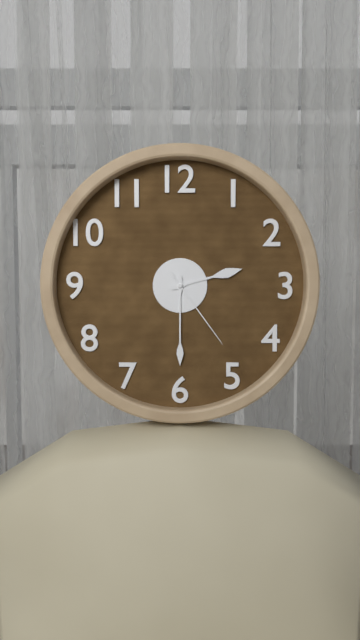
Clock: 2:30:24
